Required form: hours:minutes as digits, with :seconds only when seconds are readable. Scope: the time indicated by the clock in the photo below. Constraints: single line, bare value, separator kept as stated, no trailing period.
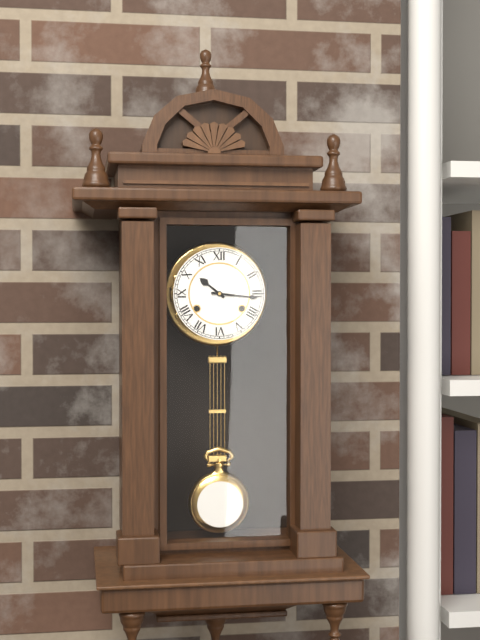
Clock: 10:16
